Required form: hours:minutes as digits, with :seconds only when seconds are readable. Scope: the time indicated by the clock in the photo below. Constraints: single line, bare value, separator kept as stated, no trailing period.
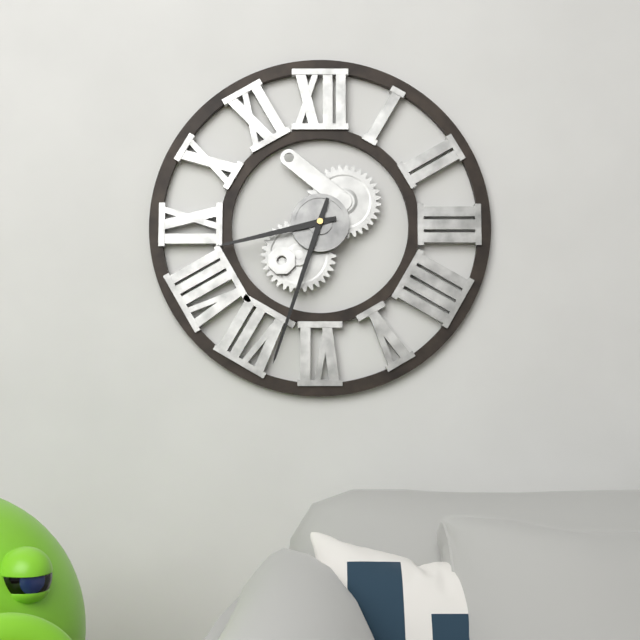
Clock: 8:33
